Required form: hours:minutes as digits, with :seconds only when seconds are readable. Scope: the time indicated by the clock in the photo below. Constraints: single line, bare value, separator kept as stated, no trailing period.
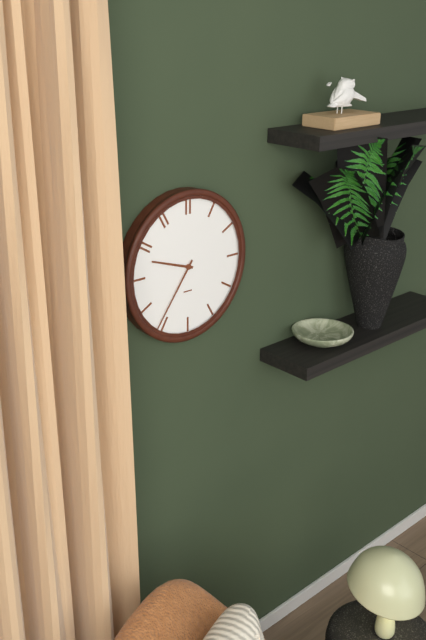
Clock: 9:36
